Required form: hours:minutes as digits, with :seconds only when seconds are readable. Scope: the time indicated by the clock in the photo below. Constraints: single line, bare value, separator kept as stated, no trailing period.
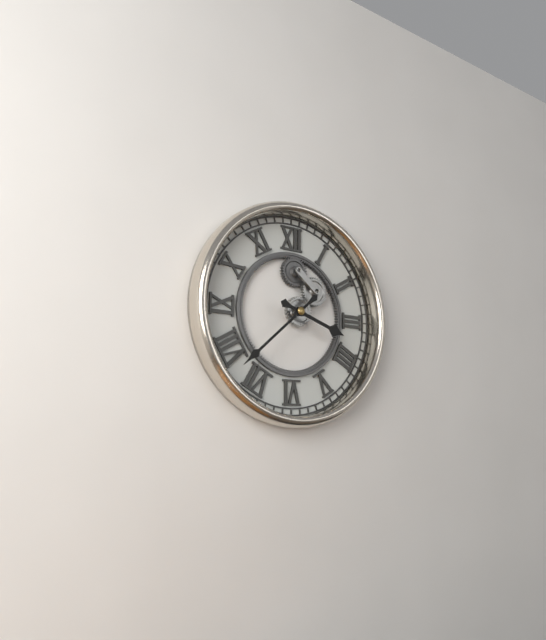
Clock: 3:38
